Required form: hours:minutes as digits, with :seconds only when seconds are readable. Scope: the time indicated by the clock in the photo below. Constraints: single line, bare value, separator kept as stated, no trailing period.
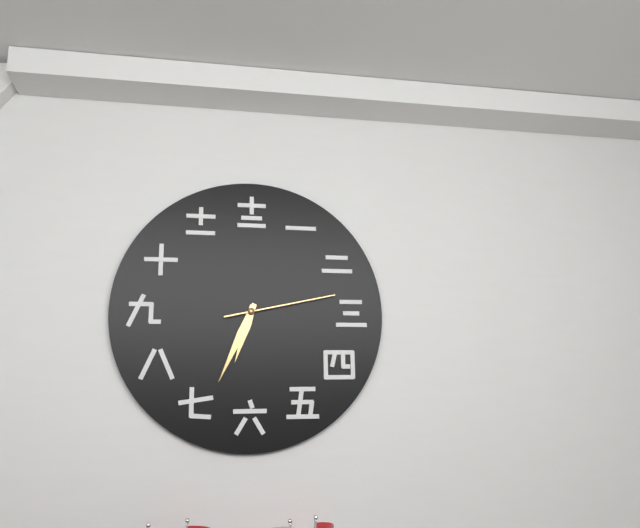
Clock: 6:34:13
